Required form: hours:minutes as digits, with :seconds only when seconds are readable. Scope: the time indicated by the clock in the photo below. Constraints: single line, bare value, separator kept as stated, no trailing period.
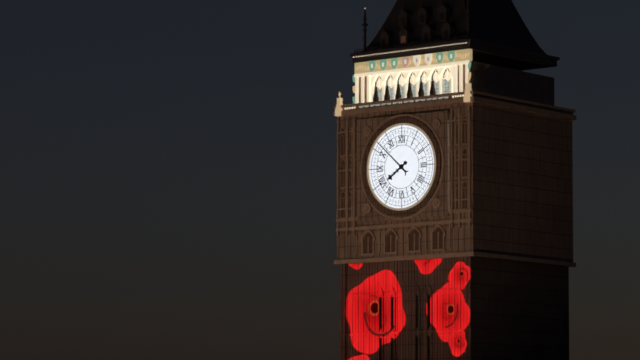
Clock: 7:52
